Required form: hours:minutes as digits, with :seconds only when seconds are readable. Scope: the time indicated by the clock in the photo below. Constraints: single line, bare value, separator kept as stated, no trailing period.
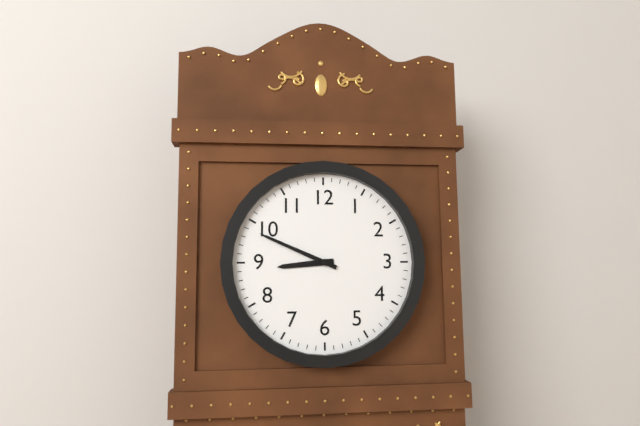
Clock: 8:49
